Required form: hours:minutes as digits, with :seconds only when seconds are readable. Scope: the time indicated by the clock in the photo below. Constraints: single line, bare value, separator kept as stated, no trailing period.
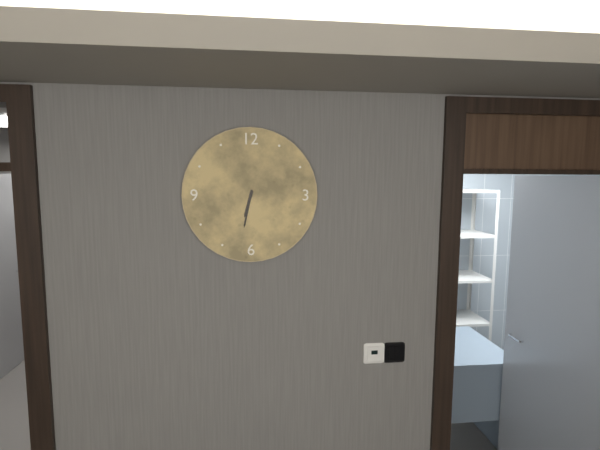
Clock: 6:32
